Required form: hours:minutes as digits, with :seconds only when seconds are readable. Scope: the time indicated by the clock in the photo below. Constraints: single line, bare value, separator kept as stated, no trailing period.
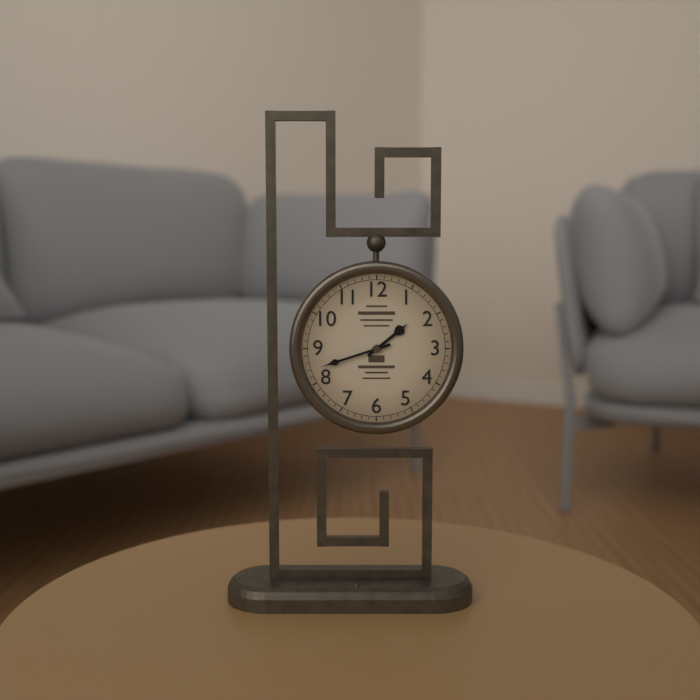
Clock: 1:42
